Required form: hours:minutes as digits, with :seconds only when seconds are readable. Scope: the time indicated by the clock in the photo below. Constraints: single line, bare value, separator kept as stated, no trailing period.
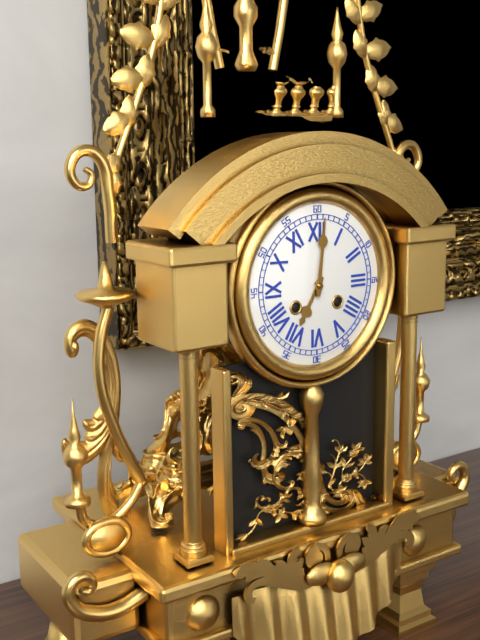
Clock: 7:01
